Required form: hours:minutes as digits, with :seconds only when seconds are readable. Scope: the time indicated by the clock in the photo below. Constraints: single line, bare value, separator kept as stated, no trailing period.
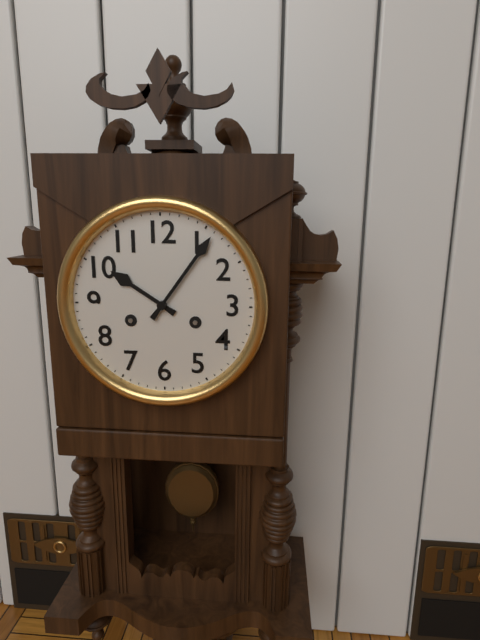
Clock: 10:06
